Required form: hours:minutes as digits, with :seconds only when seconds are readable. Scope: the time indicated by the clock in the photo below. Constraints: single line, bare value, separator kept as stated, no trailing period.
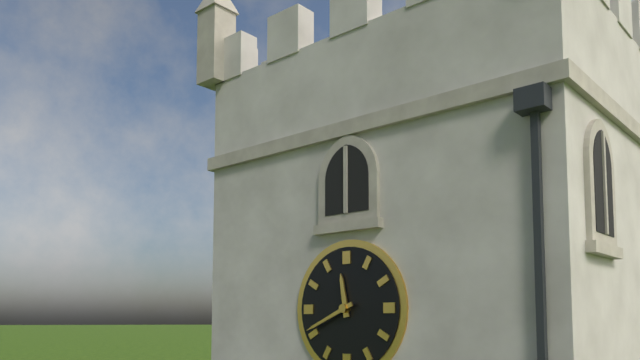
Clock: 11:41
